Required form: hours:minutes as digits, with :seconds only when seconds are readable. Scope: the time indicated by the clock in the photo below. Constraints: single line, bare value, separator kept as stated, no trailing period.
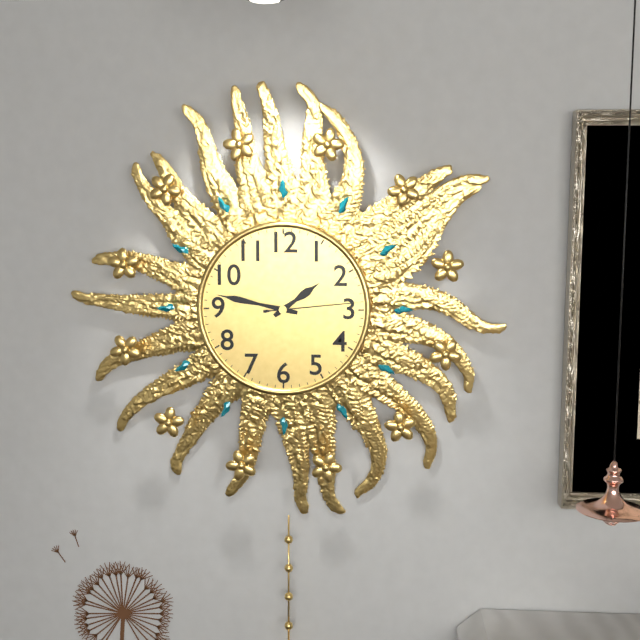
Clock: 1:47:14
